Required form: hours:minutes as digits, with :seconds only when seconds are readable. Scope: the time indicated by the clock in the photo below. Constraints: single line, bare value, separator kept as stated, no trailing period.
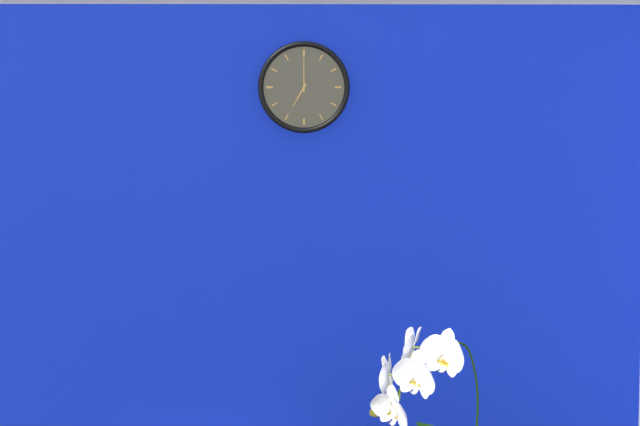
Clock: 7:00
